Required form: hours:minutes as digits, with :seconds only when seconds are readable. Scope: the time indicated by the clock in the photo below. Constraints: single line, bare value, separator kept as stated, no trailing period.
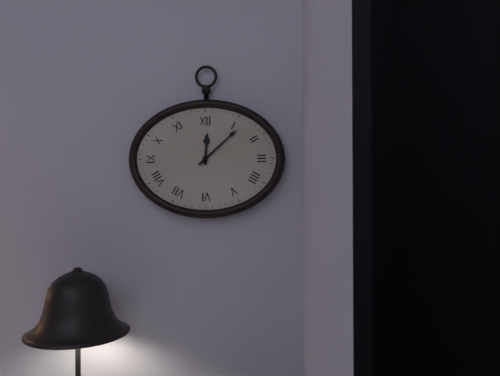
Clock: 12:08
